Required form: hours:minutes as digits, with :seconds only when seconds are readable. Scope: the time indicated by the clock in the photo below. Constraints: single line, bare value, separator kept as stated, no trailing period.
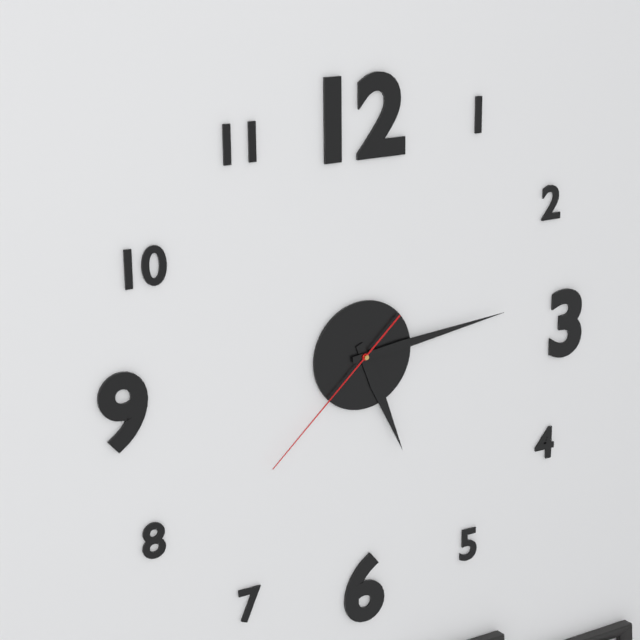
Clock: 5:14:38
